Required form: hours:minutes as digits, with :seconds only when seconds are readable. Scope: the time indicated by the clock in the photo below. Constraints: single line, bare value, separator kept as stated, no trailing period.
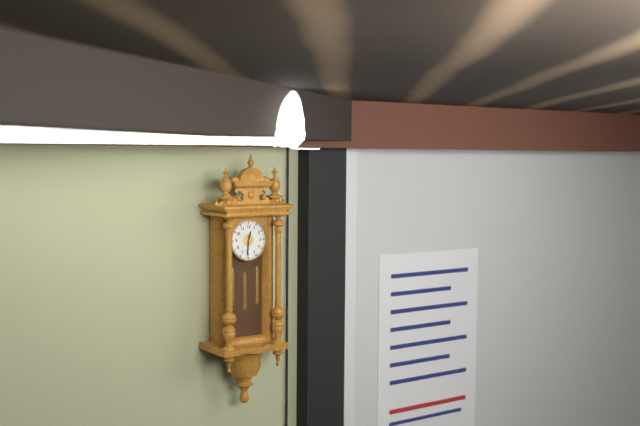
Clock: 12:31
